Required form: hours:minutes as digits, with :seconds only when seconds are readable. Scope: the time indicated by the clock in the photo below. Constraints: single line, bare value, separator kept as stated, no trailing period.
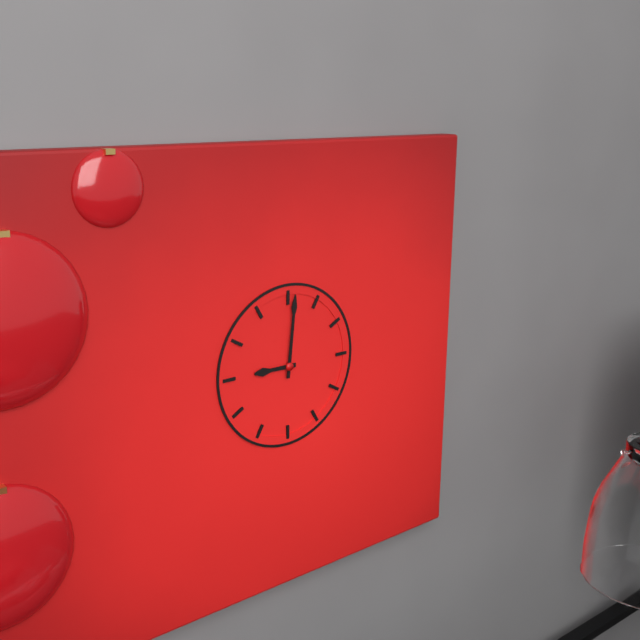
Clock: 9:01
